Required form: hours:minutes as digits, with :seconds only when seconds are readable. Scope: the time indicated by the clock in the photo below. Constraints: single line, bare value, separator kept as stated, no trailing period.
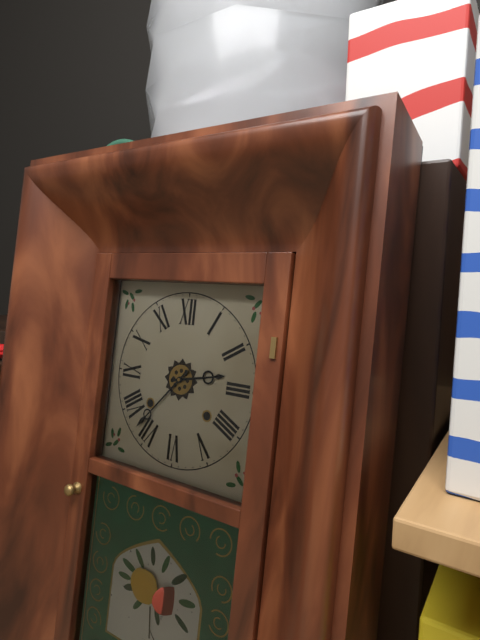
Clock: 2:37
